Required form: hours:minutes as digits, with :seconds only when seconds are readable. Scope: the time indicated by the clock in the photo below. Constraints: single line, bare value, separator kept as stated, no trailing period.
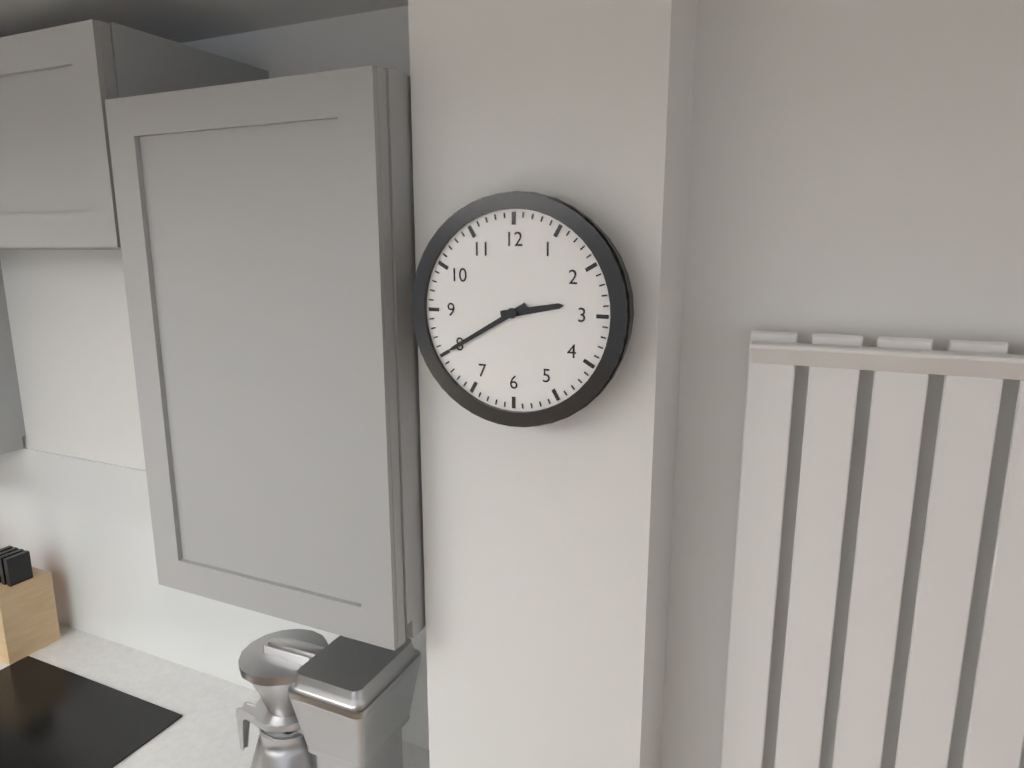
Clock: 2:40
